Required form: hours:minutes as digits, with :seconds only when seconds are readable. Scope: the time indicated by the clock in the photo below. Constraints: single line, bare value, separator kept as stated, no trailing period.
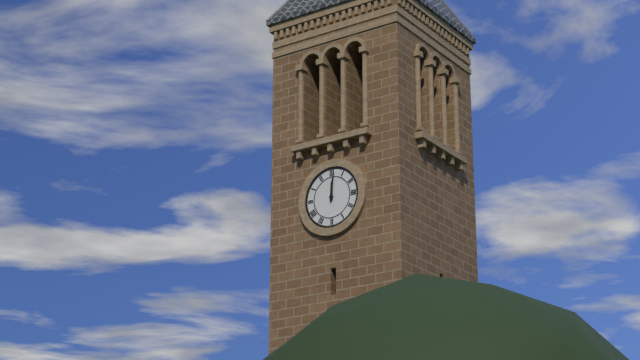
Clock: 12:01
